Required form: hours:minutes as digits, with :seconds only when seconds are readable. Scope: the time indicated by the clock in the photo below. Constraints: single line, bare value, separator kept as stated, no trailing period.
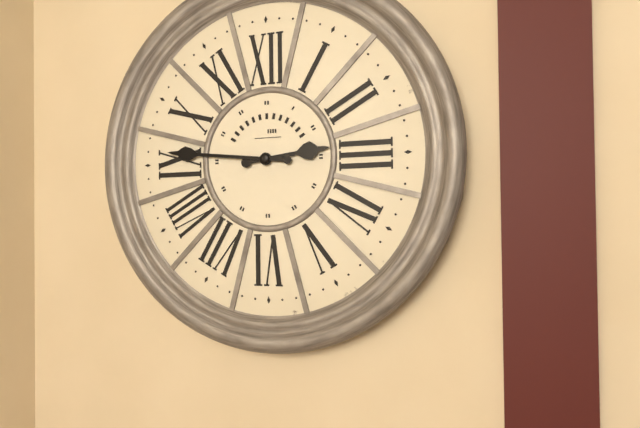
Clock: 2:46
